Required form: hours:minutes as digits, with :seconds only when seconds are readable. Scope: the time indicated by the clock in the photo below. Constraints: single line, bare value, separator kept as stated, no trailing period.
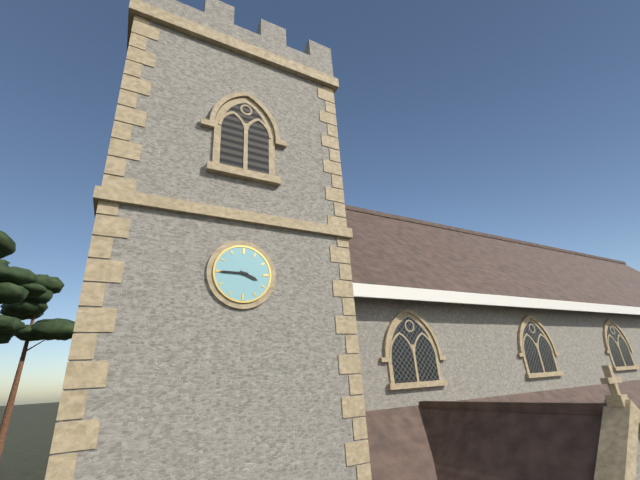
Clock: 3:45
